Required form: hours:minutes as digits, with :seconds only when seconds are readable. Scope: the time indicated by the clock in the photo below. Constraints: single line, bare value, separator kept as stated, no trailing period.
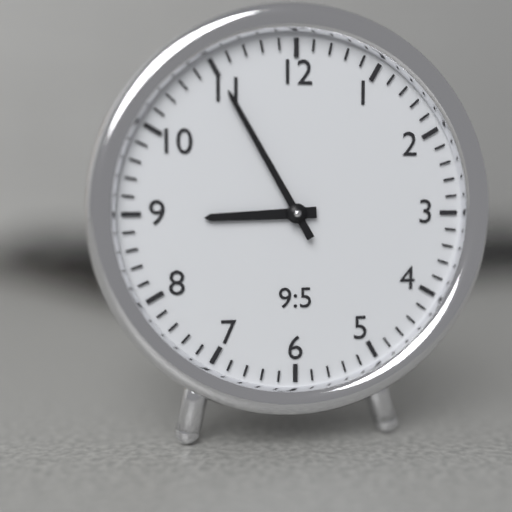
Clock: 8:55
